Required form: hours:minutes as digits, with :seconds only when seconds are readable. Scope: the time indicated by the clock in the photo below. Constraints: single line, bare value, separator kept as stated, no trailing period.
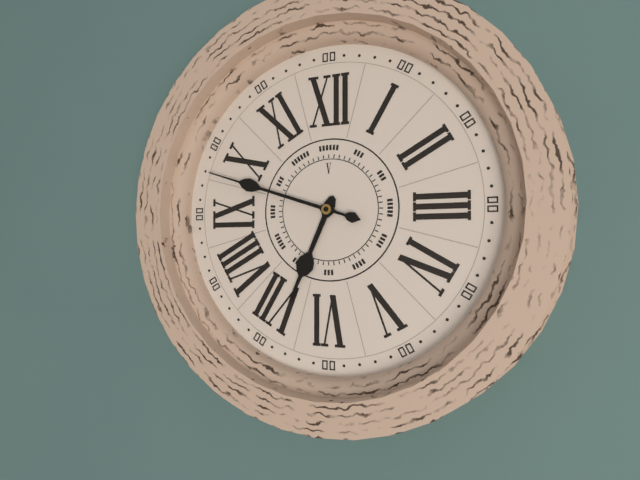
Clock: 6:48
